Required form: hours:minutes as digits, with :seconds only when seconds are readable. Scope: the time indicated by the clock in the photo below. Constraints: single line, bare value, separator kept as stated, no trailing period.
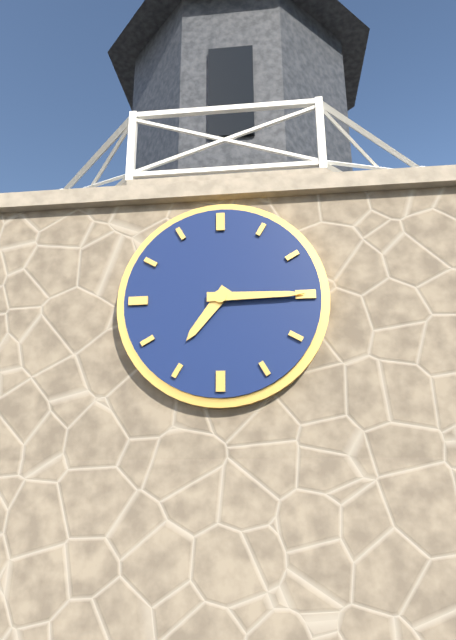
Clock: 7:15
